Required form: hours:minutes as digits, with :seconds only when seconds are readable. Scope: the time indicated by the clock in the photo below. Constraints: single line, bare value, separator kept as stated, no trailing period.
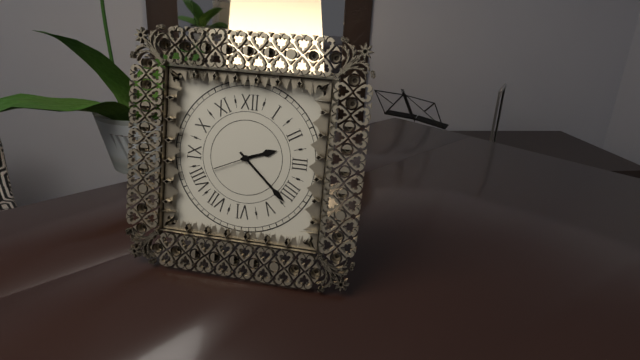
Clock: 2:22
